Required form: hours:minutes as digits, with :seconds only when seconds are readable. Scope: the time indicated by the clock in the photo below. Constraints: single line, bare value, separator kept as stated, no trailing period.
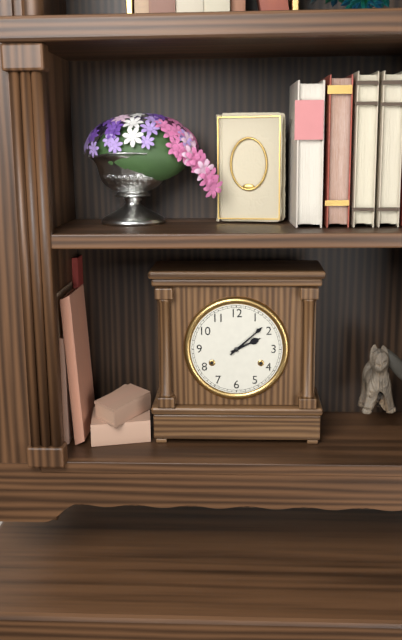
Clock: 2:08
